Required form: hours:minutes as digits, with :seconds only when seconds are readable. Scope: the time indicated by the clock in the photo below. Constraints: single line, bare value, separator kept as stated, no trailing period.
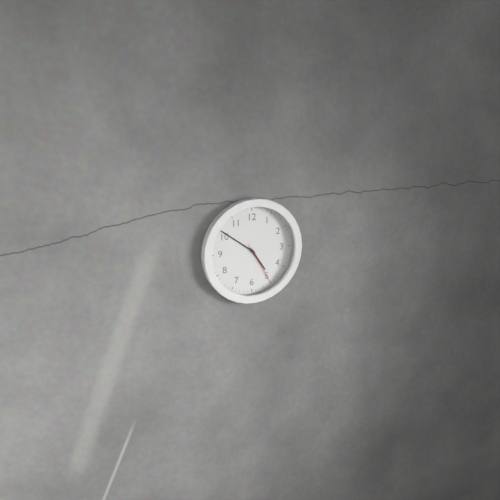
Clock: 4:51
